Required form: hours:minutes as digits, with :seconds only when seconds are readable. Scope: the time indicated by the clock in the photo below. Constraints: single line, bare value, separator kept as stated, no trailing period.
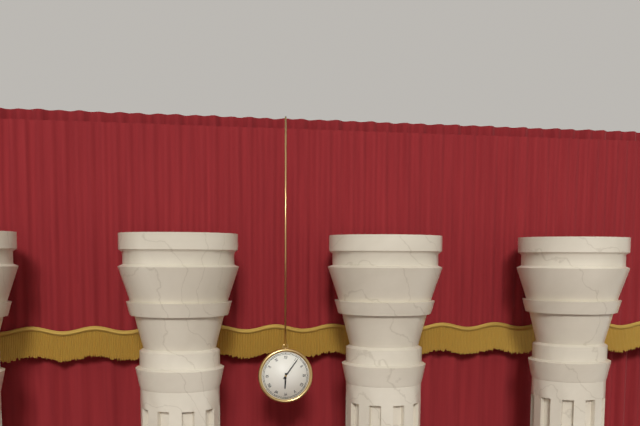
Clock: 6:06
